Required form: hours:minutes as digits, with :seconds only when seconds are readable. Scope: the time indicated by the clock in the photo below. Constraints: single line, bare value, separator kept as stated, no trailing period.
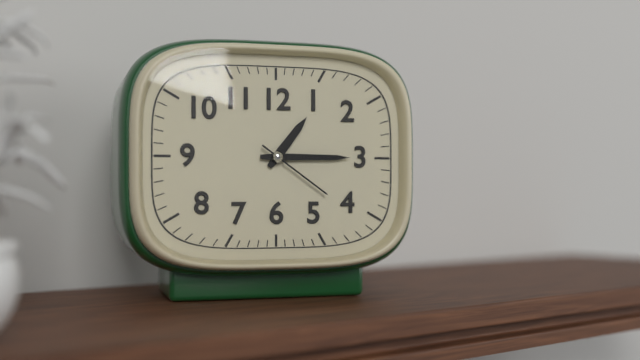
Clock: 1:15:21
